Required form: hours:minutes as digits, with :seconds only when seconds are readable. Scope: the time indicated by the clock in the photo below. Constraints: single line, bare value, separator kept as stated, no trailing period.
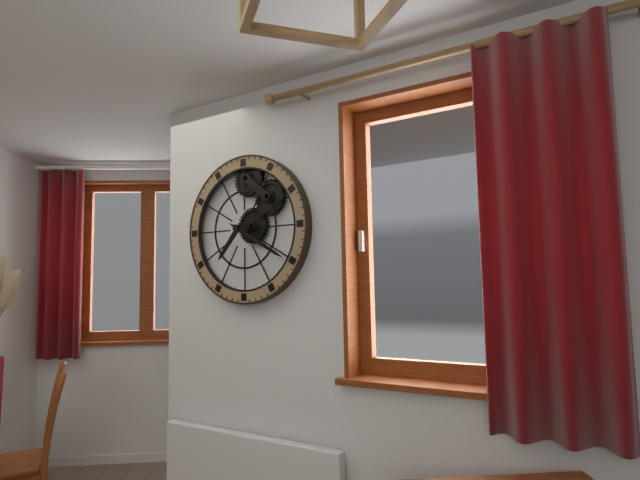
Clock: 7:20
